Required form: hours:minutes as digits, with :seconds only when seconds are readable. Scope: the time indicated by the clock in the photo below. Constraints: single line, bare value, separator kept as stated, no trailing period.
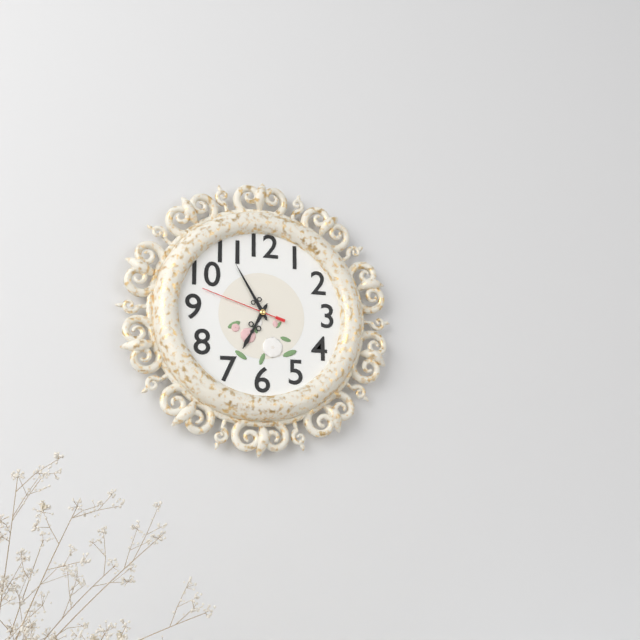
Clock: 6:55:48
